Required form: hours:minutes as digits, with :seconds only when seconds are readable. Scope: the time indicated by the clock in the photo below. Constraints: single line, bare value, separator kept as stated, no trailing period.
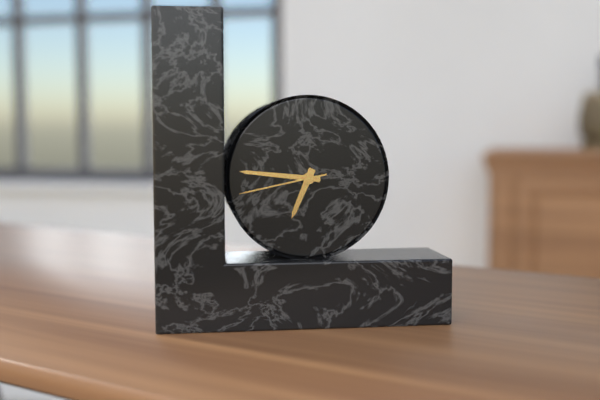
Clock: 6:46:43
